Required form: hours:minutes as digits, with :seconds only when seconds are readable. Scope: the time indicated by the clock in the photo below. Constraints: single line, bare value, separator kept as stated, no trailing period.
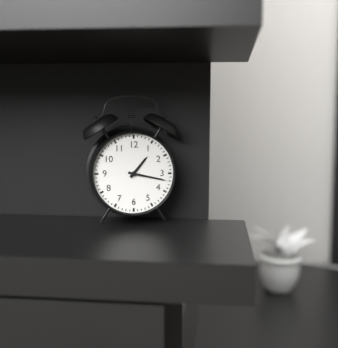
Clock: 1:17
